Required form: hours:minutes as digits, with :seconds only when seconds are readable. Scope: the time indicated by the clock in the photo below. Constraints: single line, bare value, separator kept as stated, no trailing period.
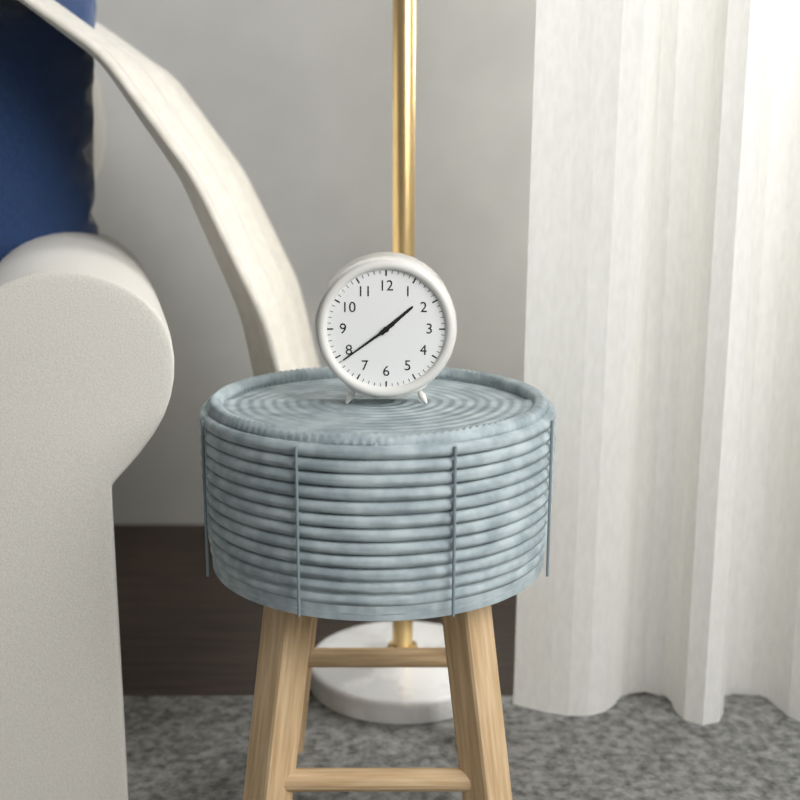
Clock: 1:39
